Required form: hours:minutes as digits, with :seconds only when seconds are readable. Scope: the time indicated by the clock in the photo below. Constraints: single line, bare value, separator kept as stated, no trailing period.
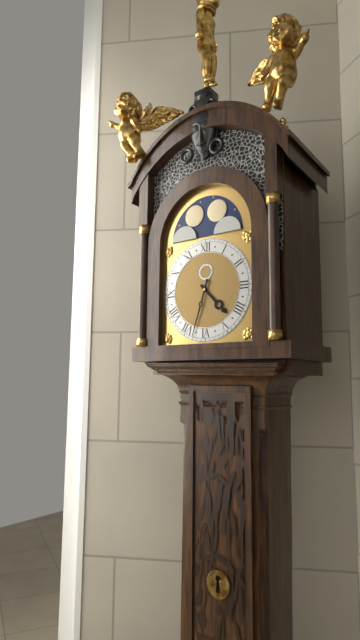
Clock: 4:33
